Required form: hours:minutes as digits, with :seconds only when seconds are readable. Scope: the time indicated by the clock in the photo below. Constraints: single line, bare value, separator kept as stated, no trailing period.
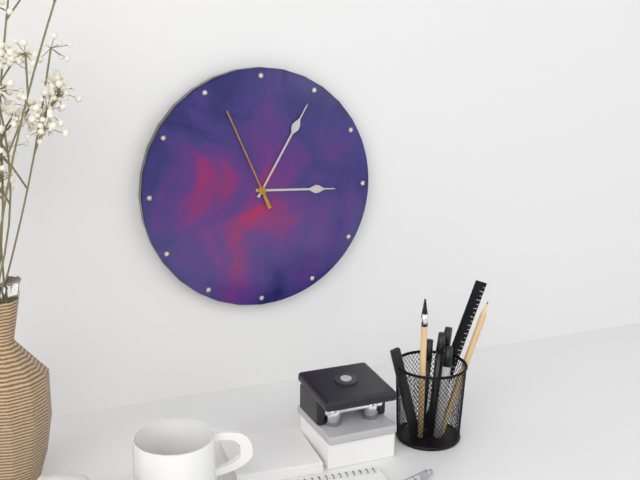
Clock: 3:05:56
